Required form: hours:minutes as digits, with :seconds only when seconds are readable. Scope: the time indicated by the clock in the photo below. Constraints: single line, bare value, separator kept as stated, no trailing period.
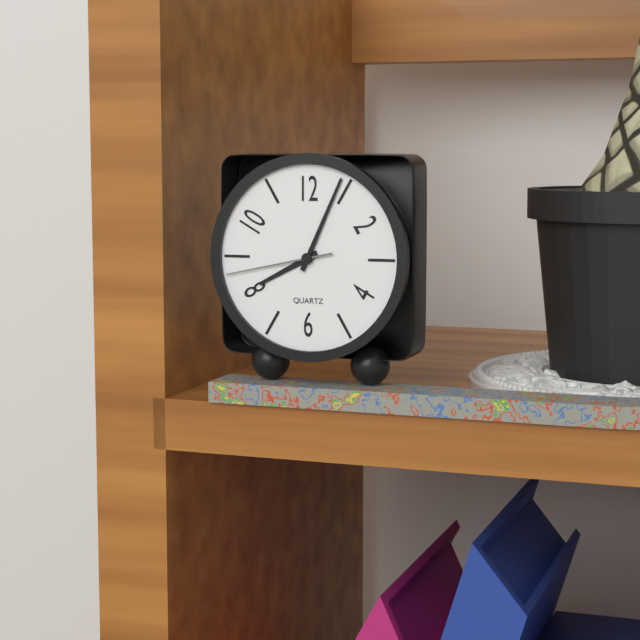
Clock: 8:04:43
